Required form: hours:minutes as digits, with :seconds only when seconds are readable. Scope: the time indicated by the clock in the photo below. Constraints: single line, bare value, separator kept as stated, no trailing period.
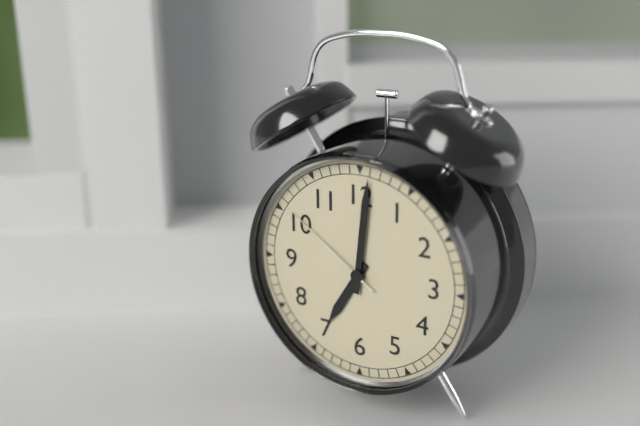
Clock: 7:01:51
